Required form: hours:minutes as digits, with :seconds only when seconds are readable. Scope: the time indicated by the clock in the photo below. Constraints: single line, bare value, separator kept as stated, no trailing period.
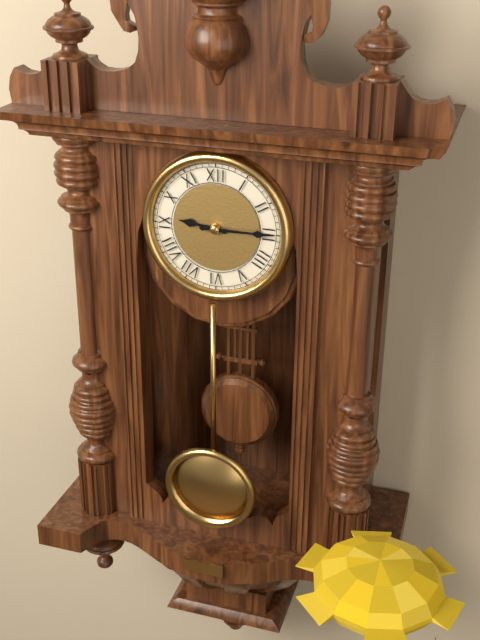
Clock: 9:15
